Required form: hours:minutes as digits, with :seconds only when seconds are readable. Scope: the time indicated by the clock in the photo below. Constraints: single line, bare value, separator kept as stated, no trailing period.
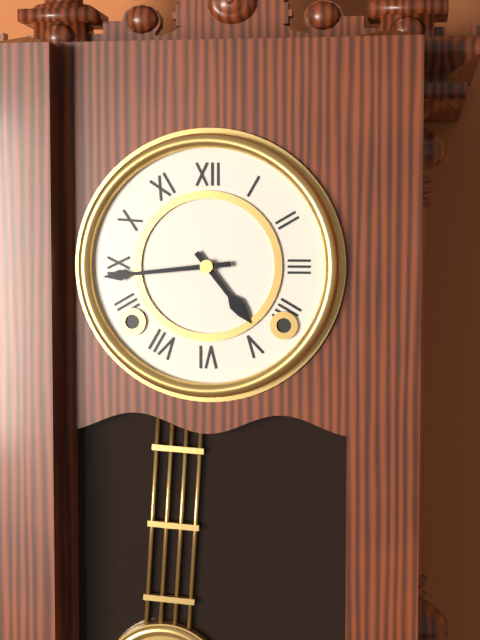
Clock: 4:44
